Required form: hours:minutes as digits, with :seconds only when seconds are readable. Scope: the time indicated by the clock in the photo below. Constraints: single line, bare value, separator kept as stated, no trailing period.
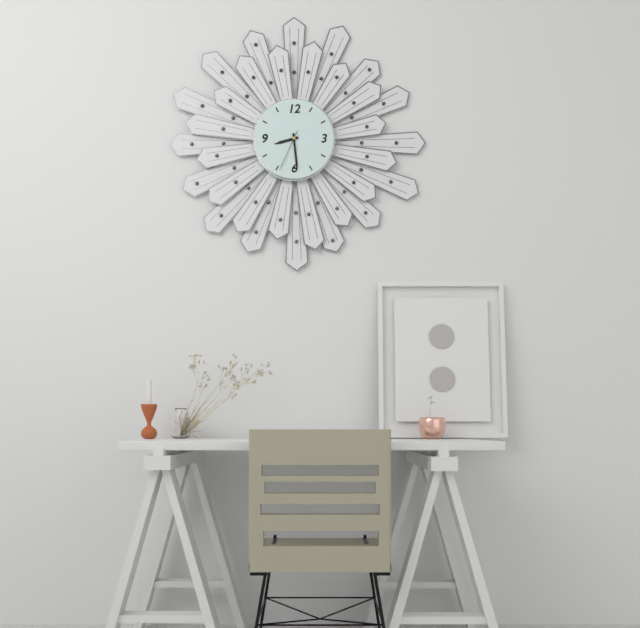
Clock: 8:29
